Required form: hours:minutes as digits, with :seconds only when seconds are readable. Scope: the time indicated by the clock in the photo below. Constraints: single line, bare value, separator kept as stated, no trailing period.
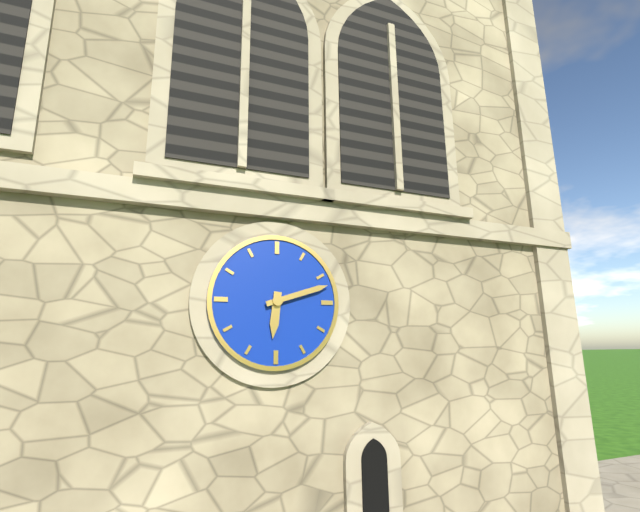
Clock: 6:12
